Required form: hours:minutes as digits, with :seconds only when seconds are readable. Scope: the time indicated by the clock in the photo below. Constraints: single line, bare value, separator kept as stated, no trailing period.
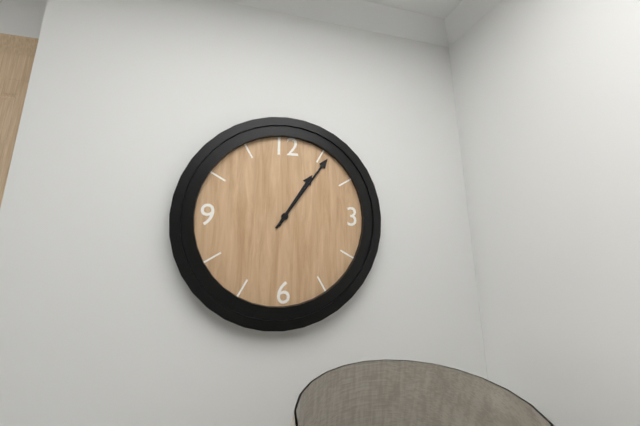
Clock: 1:06
